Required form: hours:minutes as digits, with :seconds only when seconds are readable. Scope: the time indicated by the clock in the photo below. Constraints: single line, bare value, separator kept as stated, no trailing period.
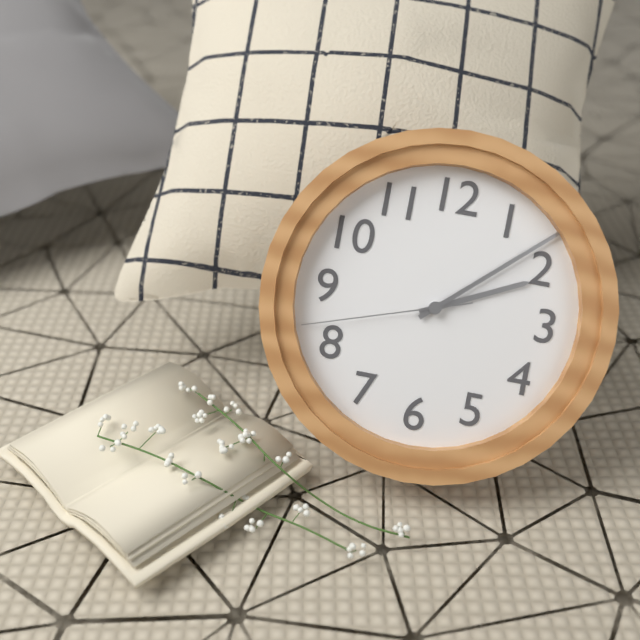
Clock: 2:08:42
